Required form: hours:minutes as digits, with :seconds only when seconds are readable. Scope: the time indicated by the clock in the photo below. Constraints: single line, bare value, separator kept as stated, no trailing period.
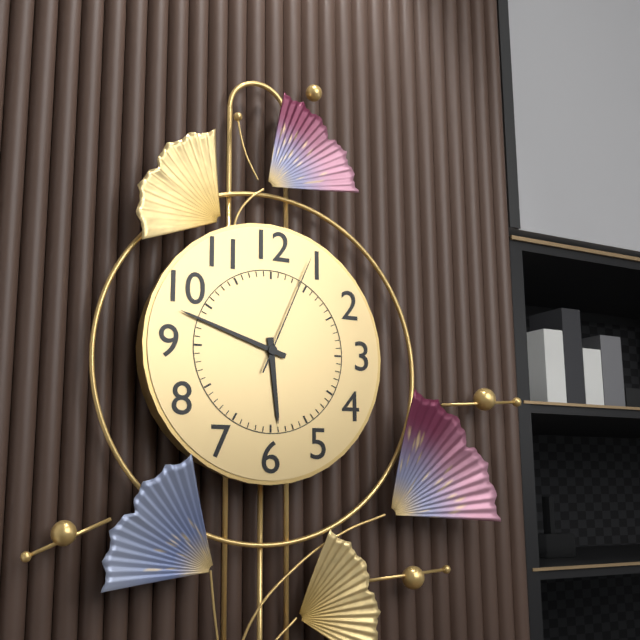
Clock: 5:48:04
